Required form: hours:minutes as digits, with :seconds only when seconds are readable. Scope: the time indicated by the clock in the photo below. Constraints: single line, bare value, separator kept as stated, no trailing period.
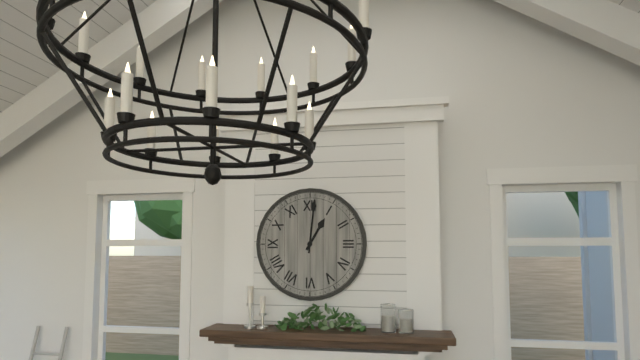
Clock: 1:01
